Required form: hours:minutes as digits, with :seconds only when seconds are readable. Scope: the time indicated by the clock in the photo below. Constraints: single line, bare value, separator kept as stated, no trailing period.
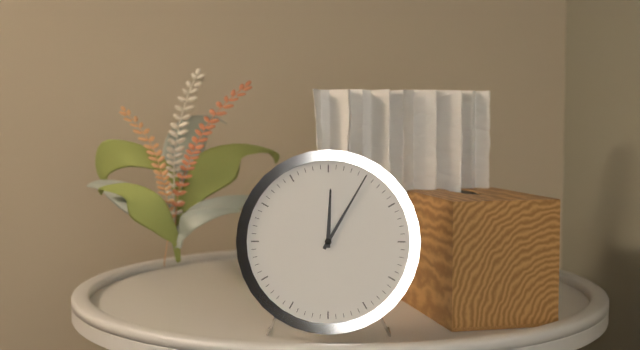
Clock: 12:05
